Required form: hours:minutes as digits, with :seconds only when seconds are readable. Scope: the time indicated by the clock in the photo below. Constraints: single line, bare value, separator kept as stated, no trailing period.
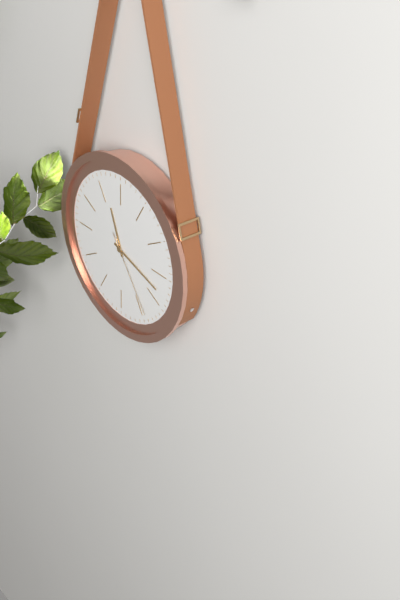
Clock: 11:18:24
